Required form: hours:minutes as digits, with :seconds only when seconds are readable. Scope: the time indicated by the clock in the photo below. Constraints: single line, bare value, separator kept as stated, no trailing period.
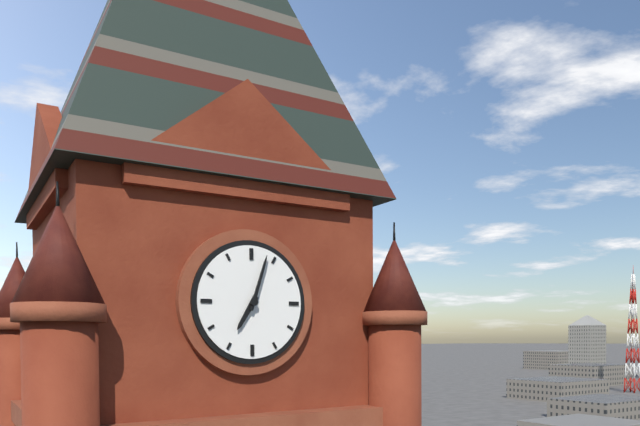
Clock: 7:03
